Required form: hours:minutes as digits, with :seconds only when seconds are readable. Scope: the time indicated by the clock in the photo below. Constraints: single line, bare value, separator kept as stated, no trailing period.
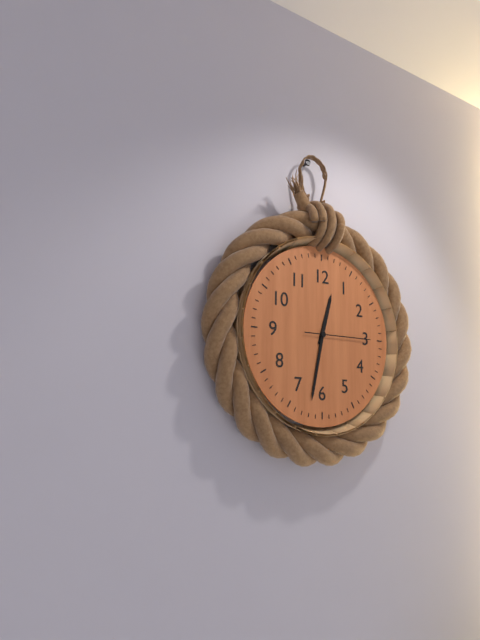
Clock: 12:32:15
